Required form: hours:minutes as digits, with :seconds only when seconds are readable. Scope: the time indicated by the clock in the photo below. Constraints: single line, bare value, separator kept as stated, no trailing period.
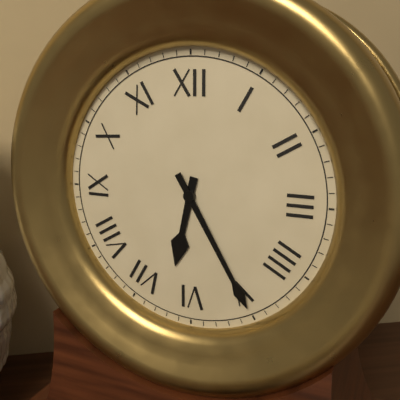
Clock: 6:25
